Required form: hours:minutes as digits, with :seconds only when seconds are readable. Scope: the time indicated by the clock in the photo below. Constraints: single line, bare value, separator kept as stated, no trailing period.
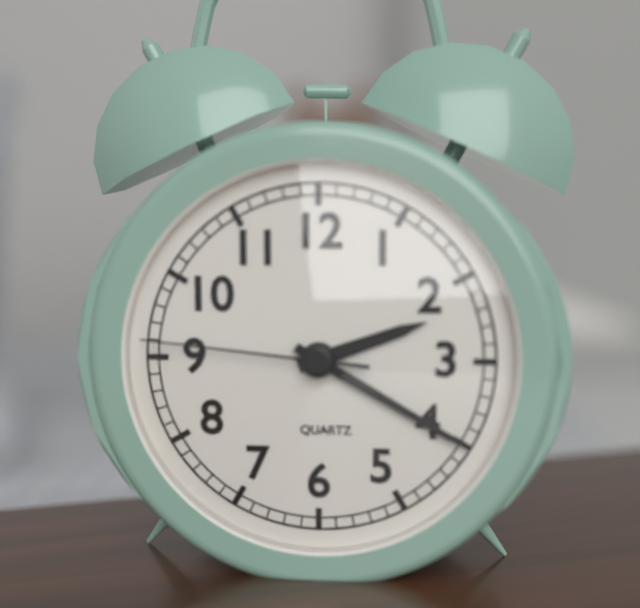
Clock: 2:20:46
